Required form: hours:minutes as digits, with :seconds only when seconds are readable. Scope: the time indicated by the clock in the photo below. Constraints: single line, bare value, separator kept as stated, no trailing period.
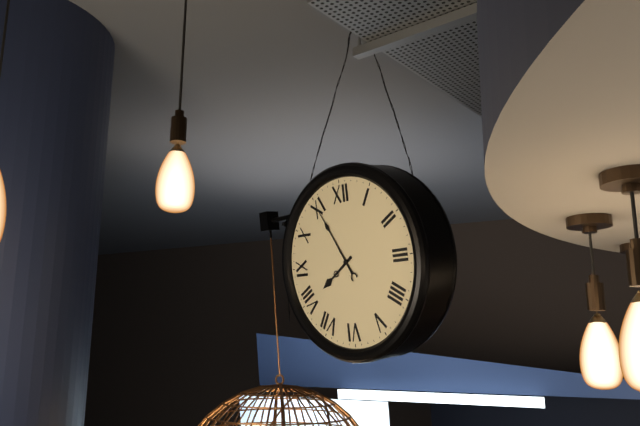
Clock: 7:55
